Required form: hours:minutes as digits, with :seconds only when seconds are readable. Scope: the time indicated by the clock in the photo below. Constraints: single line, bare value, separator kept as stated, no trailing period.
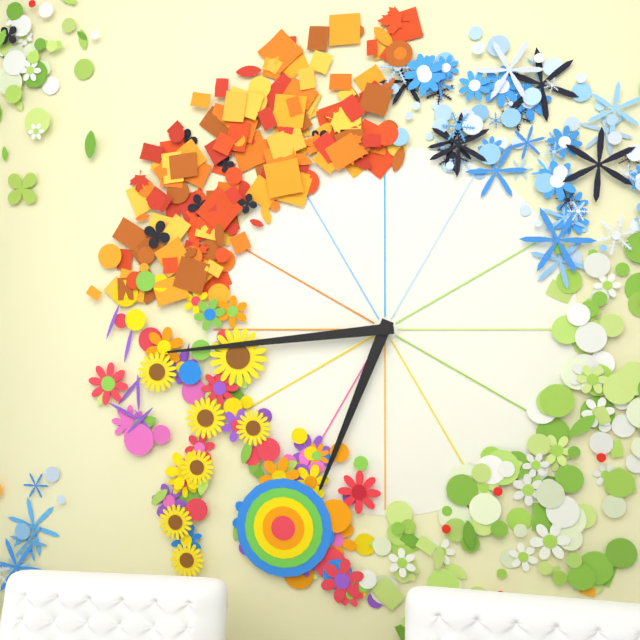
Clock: 6:44
